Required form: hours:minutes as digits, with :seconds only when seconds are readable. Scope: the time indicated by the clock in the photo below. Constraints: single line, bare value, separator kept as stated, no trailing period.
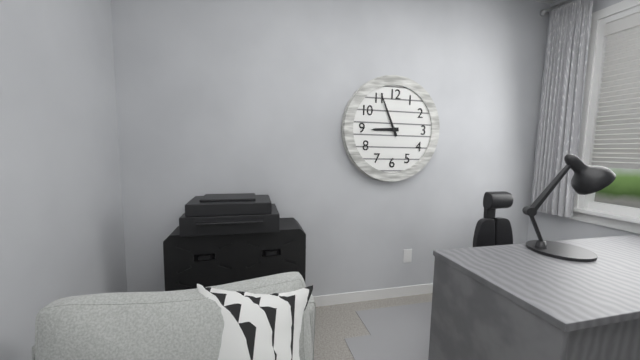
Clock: 8:56
